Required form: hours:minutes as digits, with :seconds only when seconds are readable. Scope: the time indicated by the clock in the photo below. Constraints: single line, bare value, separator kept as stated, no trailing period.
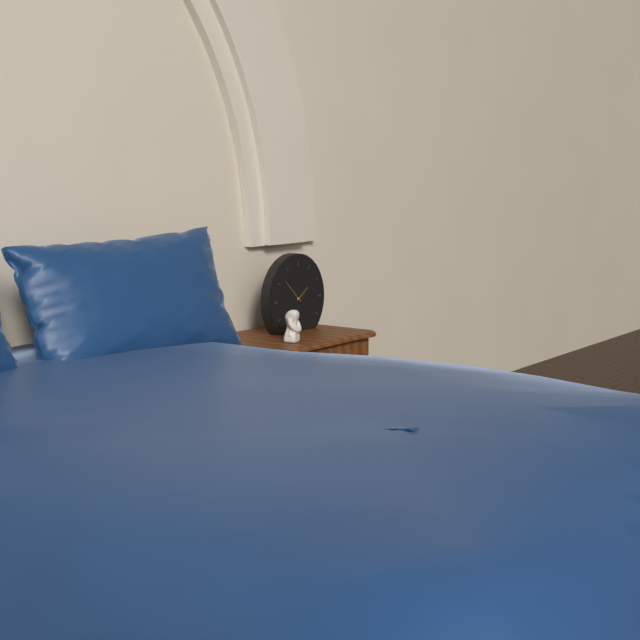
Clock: 1:52
